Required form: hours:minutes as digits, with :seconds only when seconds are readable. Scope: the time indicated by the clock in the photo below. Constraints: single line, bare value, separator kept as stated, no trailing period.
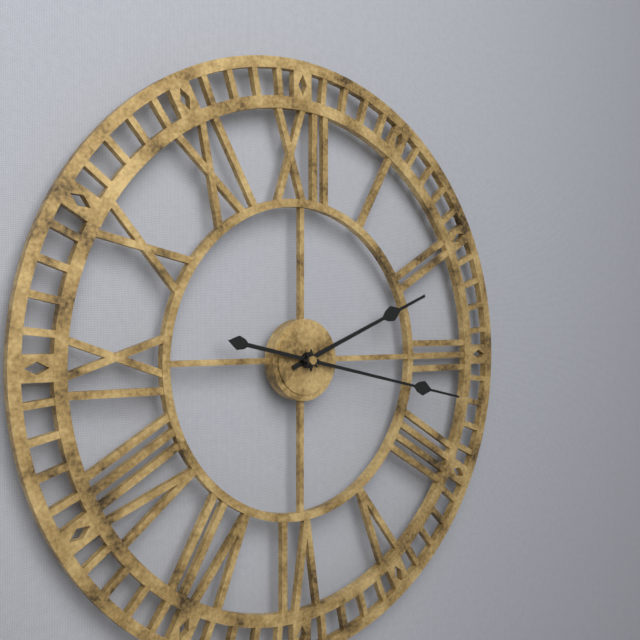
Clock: 2:17
